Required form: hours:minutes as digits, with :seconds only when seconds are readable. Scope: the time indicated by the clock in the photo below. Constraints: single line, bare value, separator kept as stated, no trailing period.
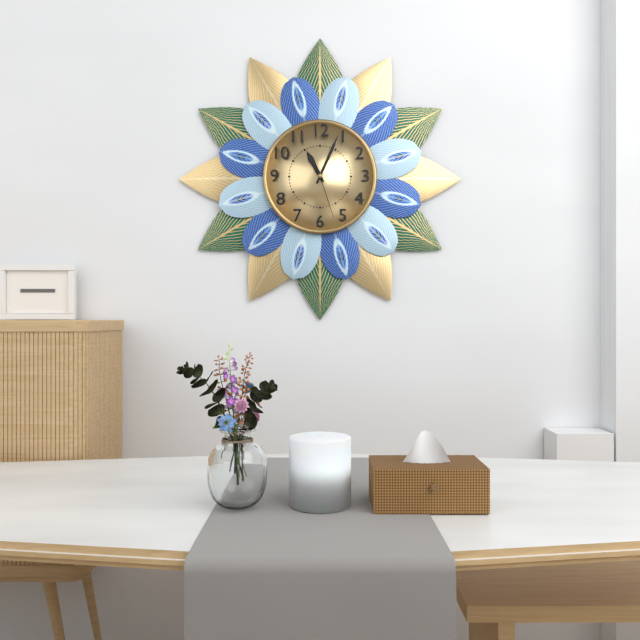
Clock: 11:04
